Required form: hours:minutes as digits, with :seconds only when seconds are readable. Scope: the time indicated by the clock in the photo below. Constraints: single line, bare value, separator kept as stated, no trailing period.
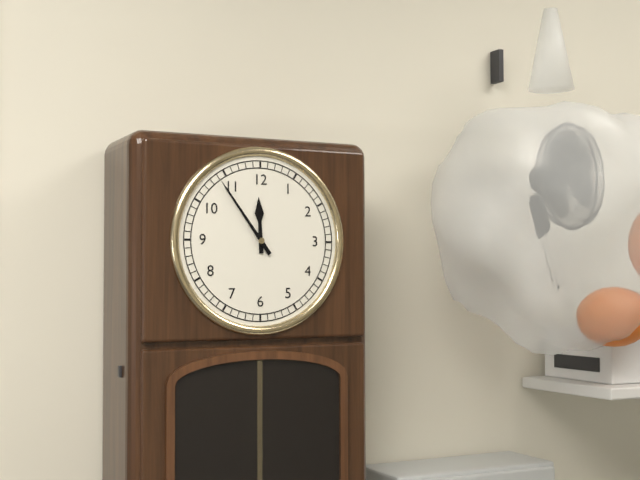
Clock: 11:54
